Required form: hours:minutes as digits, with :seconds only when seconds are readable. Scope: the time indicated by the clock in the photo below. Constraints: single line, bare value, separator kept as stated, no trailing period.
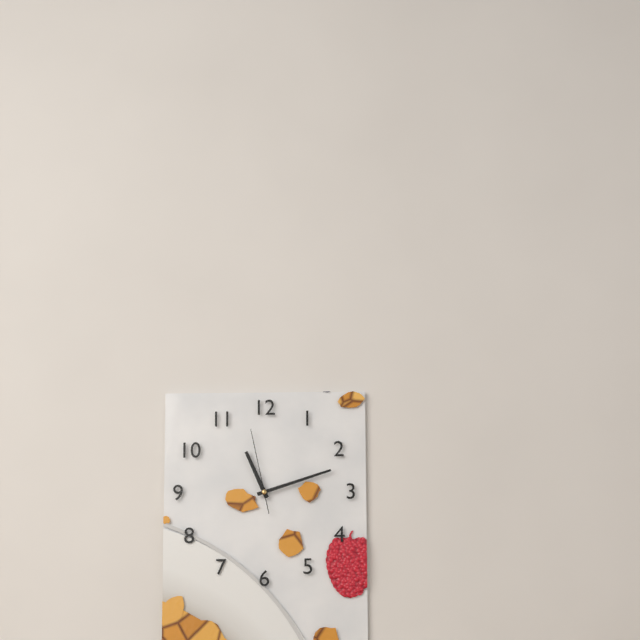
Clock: 11:12:58
